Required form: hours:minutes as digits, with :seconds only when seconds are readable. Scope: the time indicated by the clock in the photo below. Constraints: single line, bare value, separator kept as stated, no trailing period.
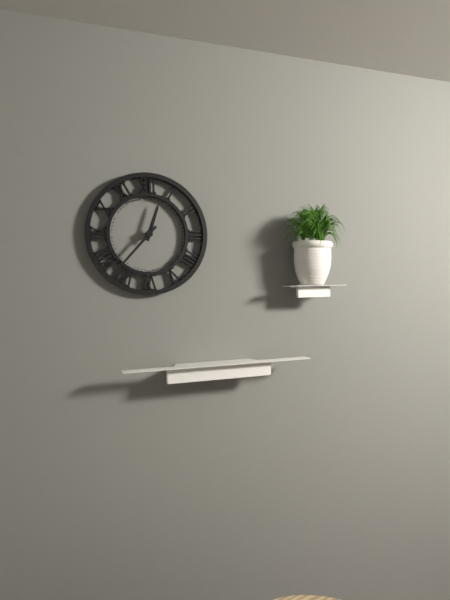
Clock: 12:37
